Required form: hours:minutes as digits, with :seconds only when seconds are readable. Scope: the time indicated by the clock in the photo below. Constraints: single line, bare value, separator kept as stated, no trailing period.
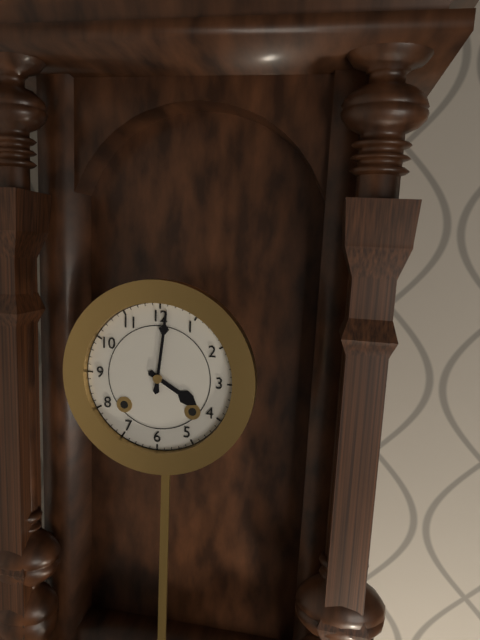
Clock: 4:01
